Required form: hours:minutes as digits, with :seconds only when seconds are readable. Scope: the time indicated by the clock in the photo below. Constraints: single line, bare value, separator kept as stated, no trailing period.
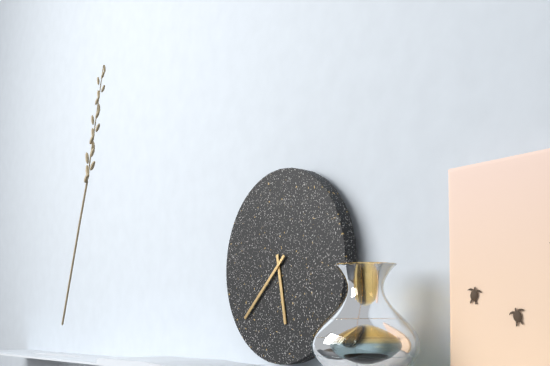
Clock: 5:38
